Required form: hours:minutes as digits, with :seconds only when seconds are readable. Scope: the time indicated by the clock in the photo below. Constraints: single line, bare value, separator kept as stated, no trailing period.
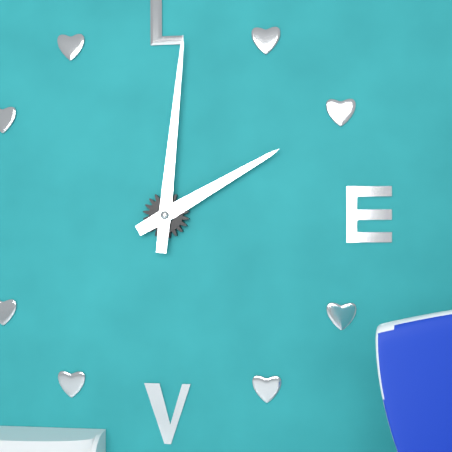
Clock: 2:01
